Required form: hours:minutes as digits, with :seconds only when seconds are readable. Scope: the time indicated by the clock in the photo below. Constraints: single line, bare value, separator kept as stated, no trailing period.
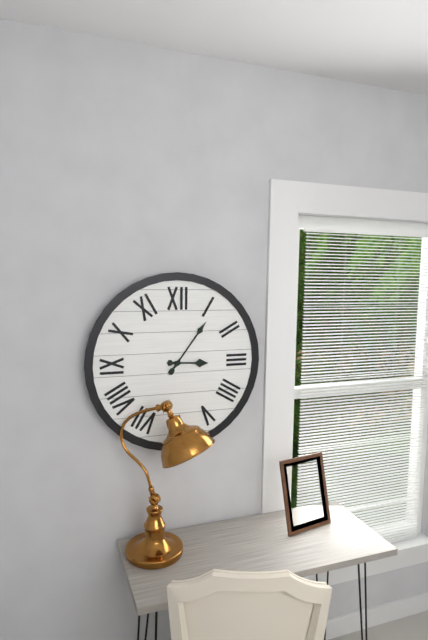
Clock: 3:06
